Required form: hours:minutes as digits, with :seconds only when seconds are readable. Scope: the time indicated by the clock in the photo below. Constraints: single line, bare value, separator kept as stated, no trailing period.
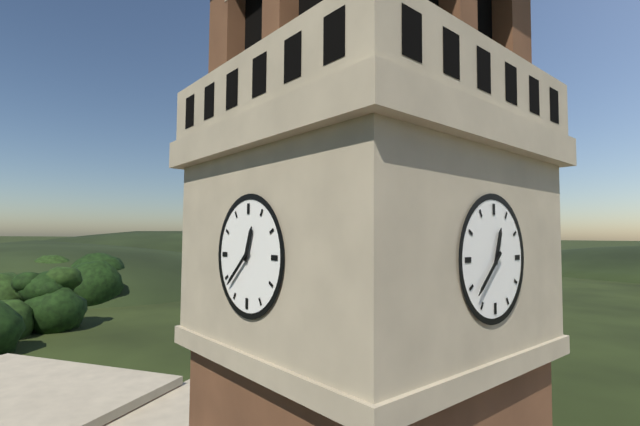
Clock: 12:38
